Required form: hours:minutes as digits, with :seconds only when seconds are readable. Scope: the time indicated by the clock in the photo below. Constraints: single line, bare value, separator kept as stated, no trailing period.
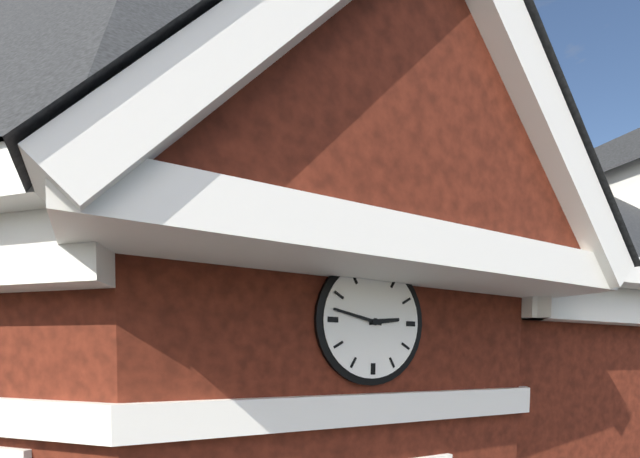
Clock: 2:47
